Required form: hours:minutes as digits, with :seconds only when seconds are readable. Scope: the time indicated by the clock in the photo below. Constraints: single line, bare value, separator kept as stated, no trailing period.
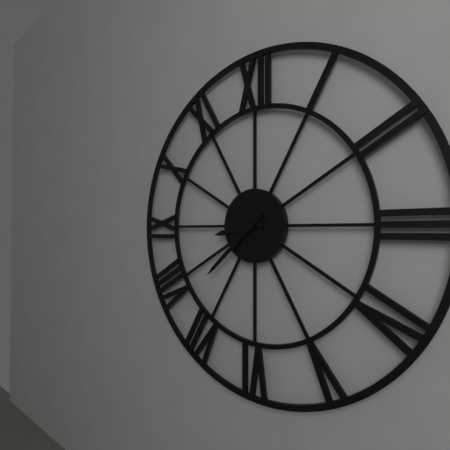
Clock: 8:38
